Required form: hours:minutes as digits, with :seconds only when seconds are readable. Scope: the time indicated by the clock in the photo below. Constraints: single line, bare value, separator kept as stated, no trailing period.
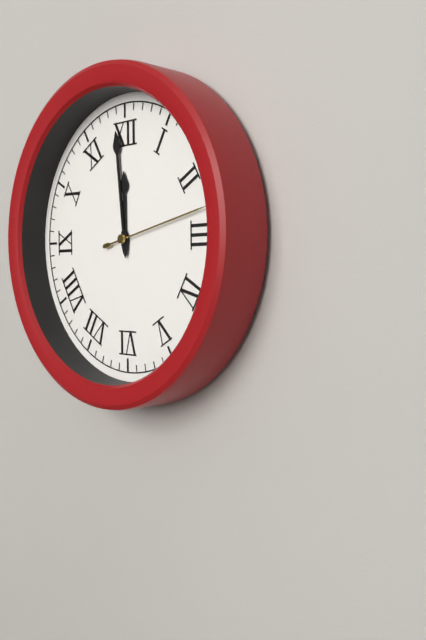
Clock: 11:59:13
